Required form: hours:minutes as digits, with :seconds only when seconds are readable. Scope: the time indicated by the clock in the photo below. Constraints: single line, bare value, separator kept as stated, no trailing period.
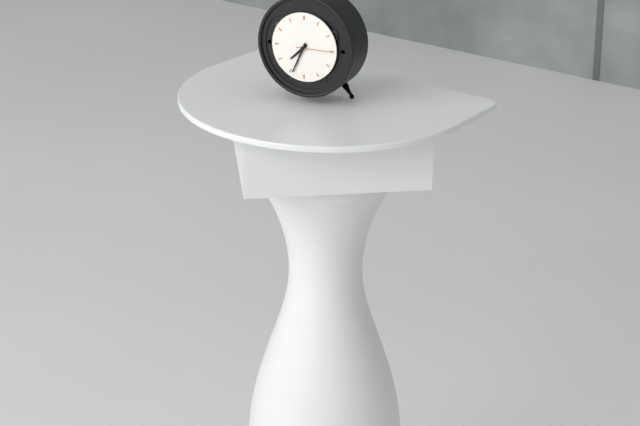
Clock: 7:34
